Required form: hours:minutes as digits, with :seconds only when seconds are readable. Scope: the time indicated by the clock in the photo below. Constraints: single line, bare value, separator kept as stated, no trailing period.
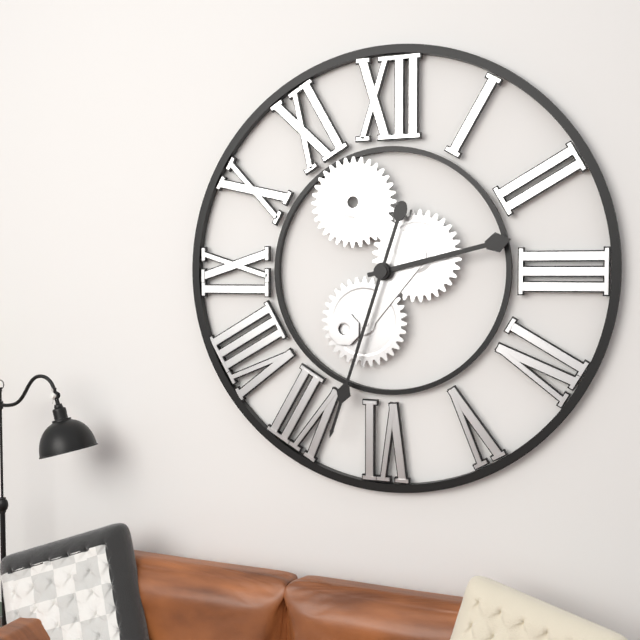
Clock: 2:33
